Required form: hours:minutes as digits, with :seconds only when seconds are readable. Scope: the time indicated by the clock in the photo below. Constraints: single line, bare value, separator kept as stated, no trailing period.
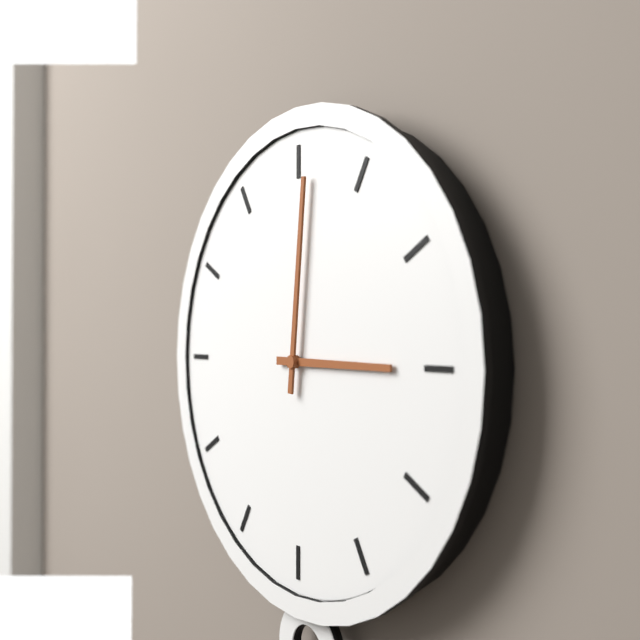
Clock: 3:01
